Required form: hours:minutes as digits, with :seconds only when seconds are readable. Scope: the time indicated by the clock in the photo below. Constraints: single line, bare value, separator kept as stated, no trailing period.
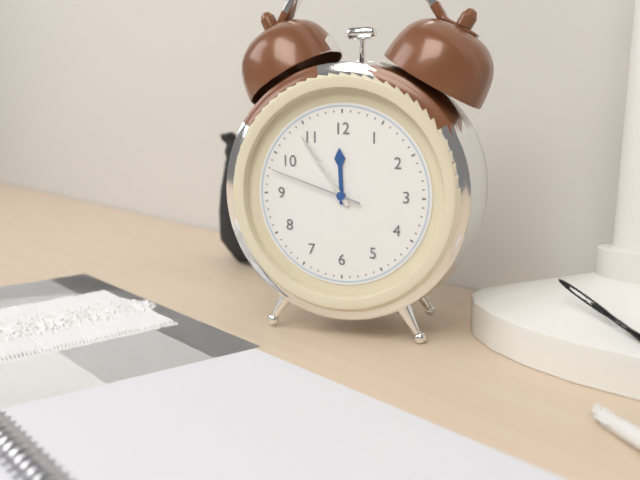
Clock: 11:54:48
